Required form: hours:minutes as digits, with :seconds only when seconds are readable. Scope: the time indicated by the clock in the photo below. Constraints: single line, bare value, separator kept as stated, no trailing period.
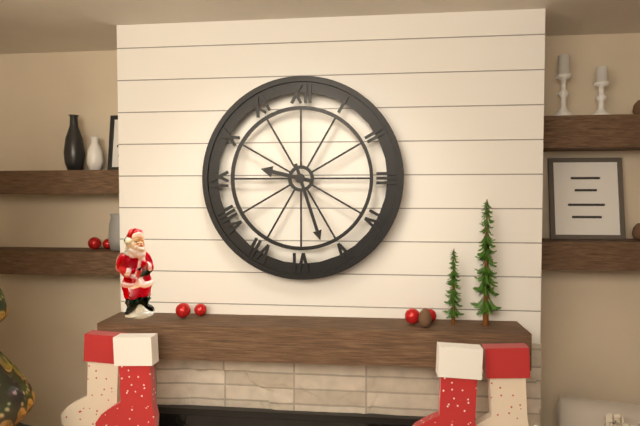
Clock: 9:27
